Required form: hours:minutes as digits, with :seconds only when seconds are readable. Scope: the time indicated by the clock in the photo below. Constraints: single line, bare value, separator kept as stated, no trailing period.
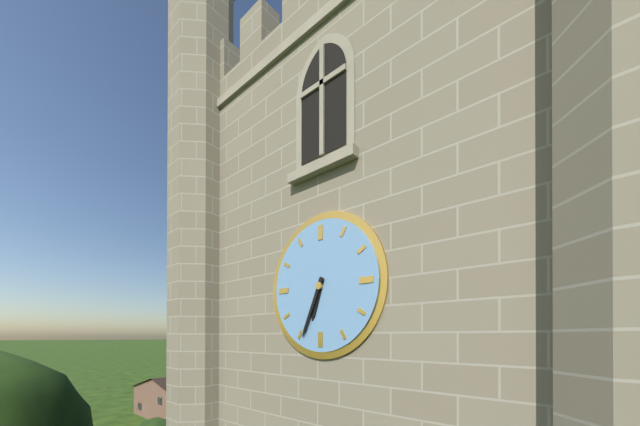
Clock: 6:34
